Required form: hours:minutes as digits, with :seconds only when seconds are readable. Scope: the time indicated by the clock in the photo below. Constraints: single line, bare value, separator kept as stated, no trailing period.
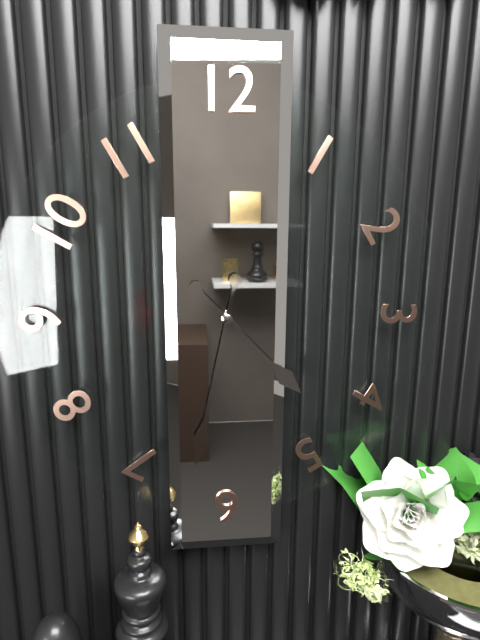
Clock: 4:32
